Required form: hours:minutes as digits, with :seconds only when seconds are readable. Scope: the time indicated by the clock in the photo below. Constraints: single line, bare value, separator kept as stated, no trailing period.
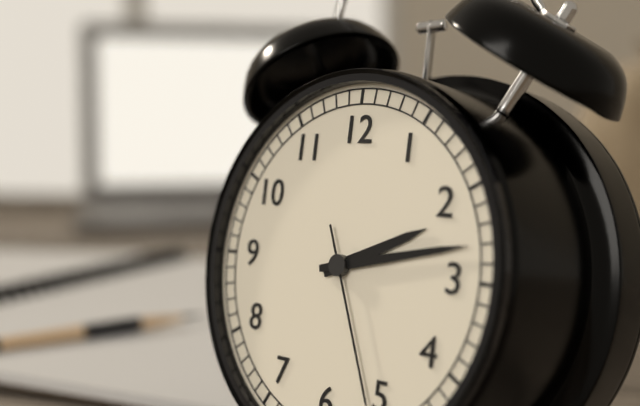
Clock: 2:13
